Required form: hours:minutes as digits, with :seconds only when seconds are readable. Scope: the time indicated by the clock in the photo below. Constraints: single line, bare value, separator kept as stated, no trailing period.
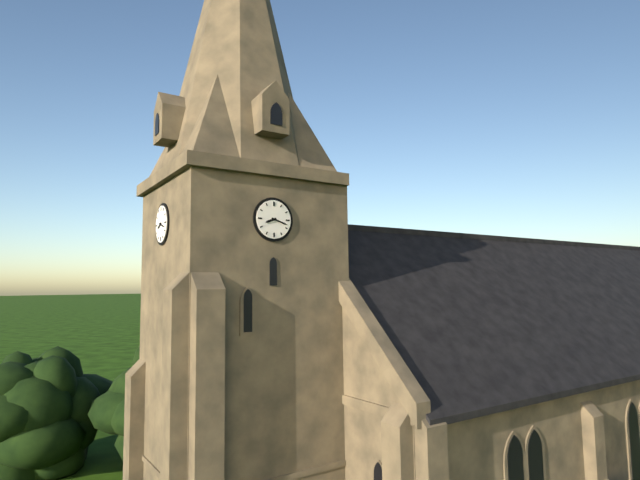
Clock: 8:18
